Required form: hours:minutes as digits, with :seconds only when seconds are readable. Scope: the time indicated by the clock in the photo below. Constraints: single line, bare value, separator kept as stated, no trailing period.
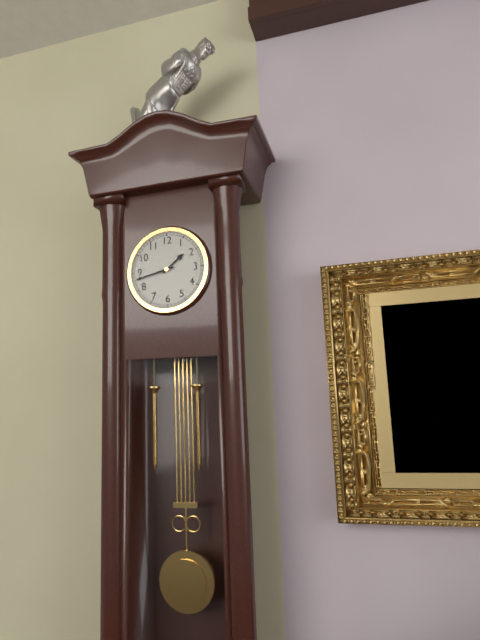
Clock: 1:43
